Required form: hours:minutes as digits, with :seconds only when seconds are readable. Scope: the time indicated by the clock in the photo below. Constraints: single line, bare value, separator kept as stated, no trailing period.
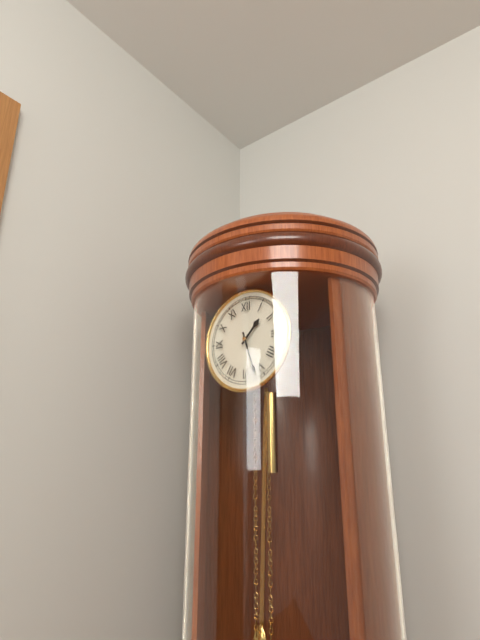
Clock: 1:27
